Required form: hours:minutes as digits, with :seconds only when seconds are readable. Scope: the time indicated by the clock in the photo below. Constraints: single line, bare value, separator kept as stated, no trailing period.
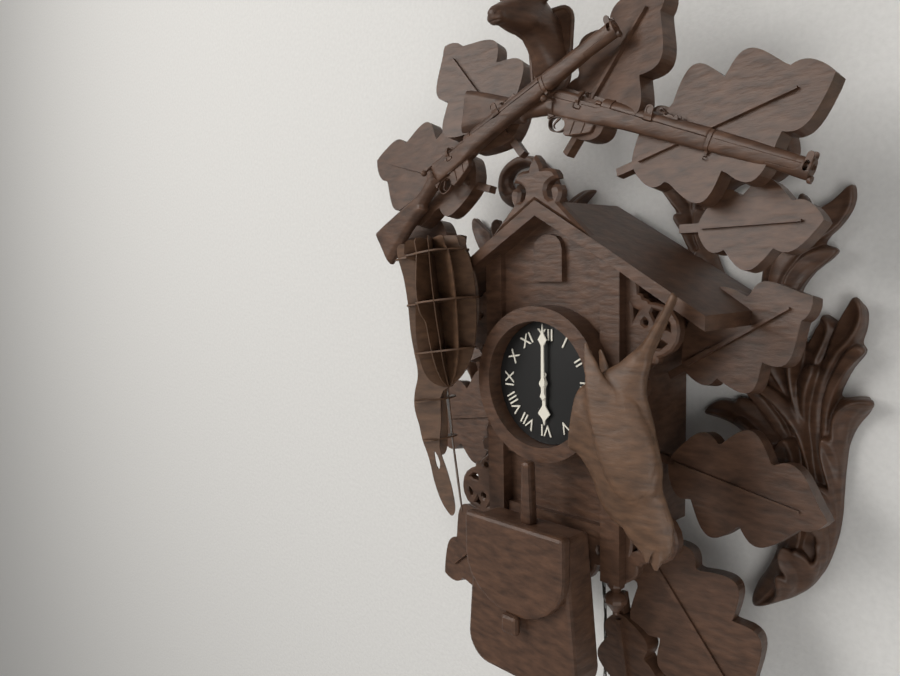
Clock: 6:00
